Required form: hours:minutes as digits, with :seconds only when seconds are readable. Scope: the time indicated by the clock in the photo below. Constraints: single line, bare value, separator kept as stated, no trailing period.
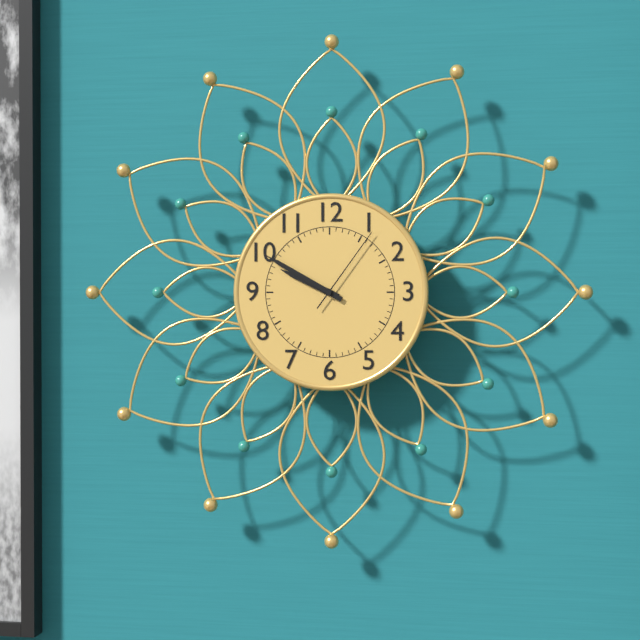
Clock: 9:50:06
